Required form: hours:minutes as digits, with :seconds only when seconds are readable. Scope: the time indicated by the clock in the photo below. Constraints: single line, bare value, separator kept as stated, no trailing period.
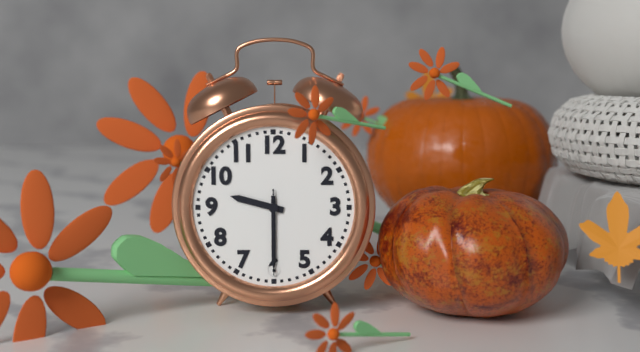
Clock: 9:30:30
